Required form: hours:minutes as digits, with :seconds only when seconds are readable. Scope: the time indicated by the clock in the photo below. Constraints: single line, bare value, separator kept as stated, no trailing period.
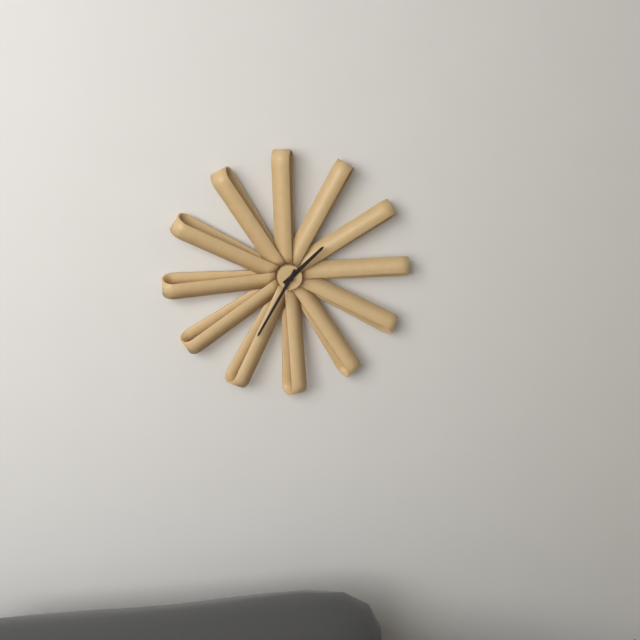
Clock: 1:35
